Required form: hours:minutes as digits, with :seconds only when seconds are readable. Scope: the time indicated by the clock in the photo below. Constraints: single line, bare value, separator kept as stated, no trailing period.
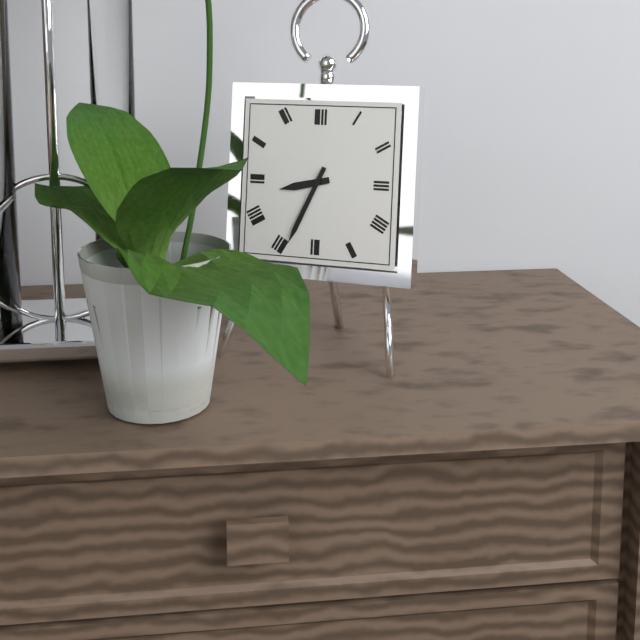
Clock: 8:34
